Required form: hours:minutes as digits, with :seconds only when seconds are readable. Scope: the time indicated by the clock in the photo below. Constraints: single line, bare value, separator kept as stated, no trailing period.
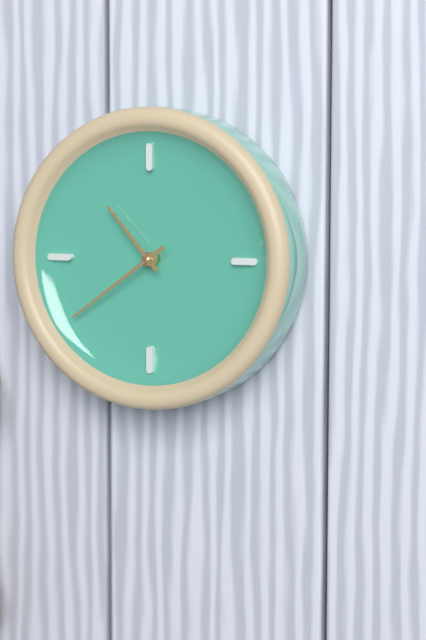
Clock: 10:39
